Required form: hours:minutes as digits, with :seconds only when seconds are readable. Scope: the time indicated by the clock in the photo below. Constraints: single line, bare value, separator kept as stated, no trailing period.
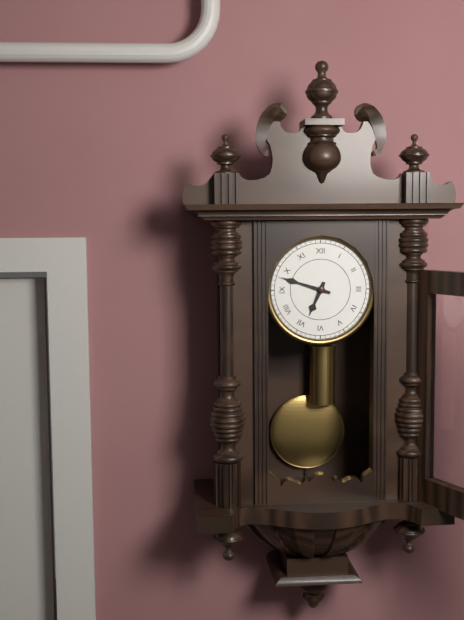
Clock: 6:48
